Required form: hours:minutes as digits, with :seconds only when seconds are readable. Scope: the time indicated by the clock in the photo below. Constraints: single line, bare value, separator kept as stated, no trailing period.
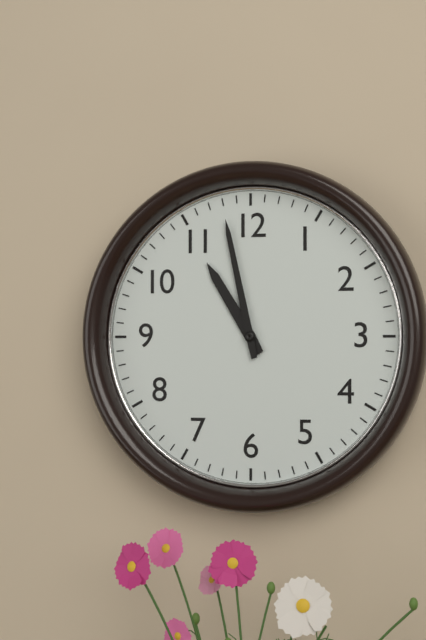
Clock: 10:58
